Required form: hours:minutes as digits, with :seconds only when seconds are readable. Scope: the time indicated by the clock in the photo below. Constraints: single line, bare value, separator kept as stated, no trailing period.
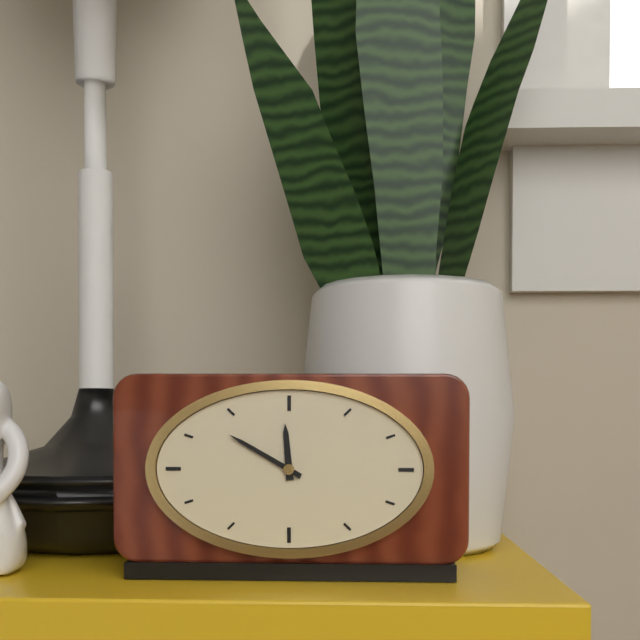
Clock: 11:50
